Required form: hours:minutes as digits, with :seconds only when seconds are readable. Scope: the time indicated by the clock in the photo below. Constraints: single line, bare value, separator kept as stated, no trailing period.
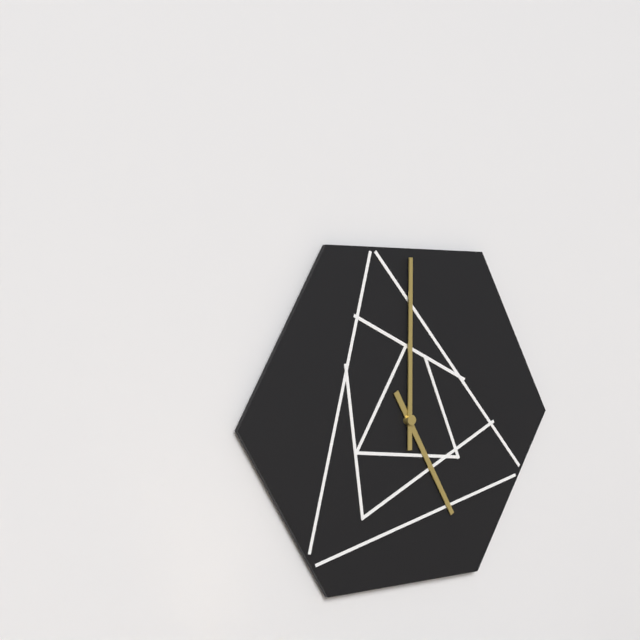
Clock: 5:00
